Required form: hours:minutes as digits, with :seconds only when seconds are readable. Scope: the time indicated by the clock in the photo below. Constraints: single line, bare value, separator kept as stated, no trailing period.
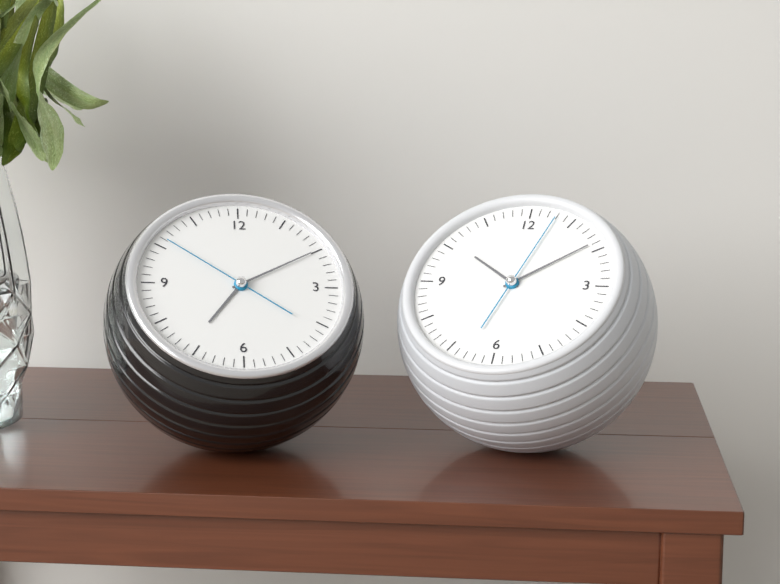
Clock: 7:10:51
